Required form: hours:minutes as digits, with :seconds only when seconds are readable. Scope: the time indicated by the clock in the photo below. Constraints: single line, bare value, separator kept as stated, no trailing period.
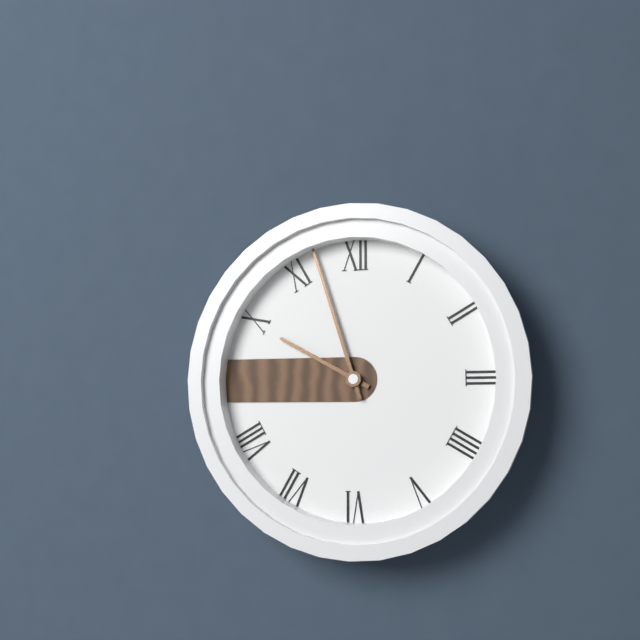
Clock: 9:57
